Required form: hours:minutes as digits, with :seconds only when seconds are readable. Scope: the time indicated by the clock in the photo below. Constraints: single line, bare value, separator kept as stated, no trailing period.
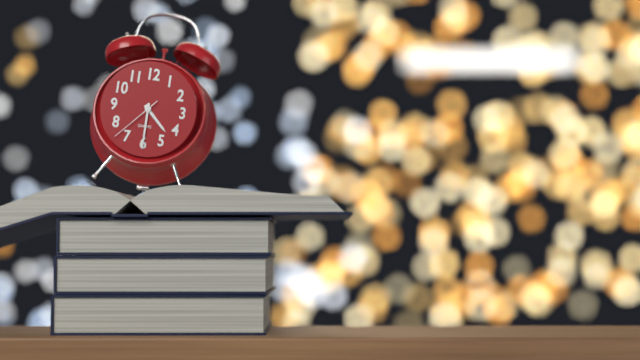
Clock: 4:30:37
